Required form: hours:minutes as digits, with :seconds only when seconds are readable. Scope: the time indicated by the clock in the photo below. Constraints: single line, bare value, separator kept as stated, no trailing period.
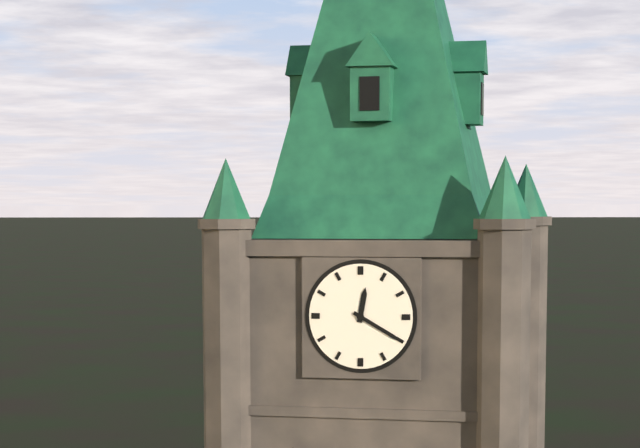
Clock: 12:20
